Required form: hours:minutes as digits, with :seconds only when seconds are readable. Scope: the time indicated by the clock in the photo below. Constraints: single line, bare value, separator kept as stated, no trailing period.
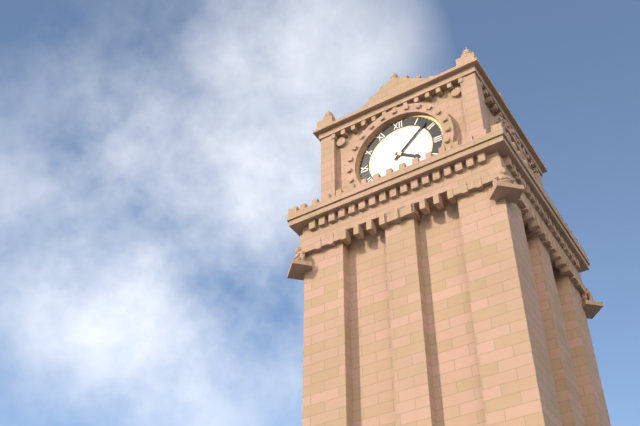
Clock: 4:08
